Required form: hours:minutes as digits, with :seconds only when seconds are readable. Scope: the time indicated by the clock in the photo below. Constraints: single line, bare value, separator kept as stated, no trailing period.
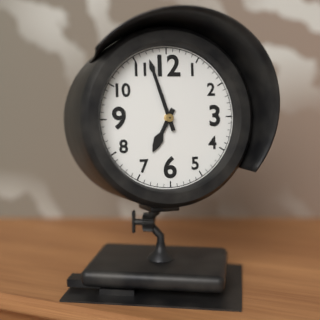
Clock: 6:57
